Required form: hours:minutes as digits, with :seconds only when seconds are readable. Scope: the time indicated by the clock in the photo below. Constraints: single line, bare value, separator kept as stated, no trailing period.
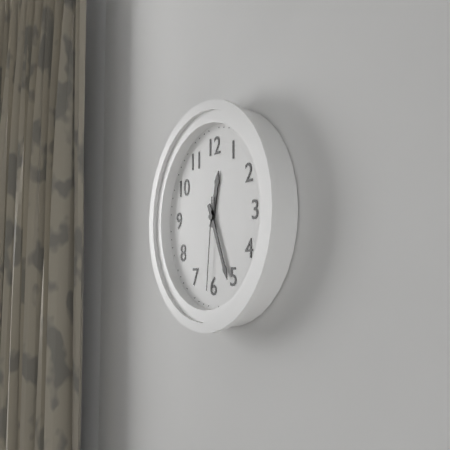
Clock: 12:26:31
